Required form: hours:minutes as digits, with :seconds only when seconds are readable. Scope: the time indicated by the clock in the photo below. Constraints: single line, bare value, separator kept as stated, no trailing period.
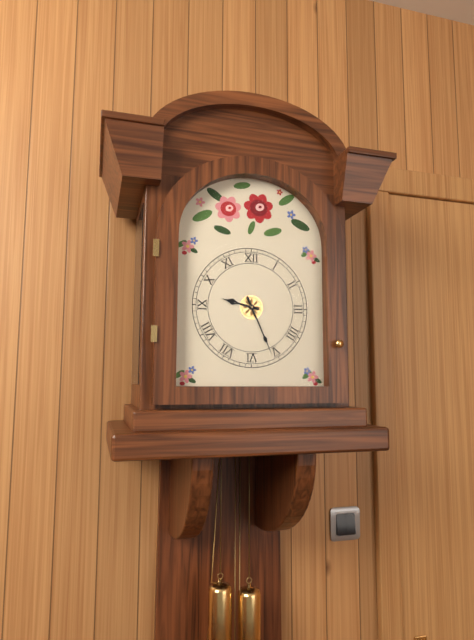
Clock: 9:26
